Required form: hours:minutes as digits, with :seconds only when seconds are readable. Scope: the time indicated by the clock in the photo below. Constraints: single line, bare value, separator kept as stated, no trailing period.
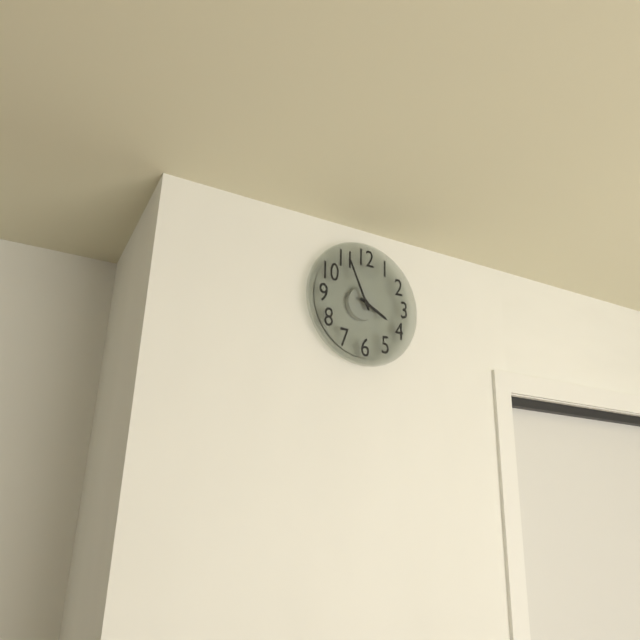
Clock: 3:56
